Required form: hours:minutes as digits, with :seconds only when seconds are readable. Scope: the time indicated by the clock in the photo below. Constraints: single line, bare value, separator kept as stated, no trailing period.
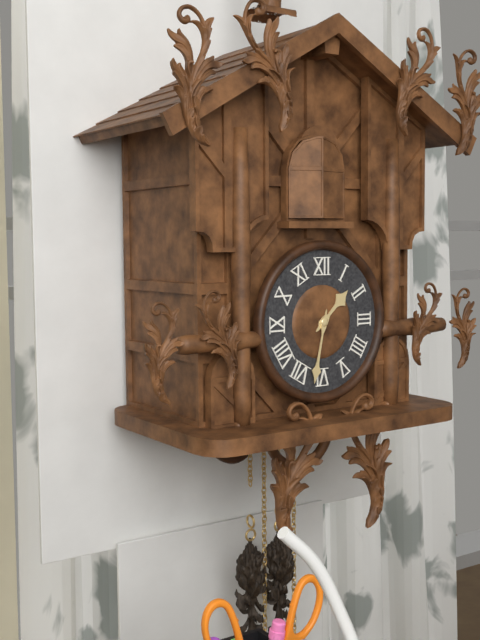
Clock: 1:32
